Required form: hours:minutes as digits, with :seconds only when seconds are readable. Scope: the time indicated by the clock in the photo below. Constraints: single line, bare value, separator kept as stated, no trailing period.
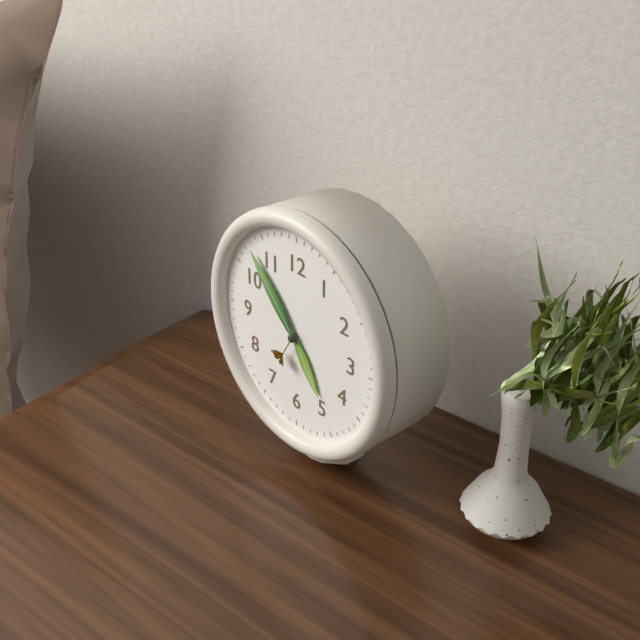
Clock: 4:53
